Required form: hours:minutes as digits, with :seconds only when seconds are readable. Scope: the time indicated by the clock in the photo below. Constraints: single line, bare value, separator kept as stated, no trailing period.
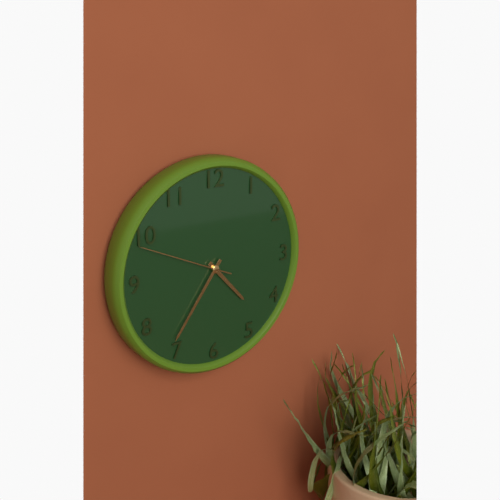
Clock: 4:36:49
